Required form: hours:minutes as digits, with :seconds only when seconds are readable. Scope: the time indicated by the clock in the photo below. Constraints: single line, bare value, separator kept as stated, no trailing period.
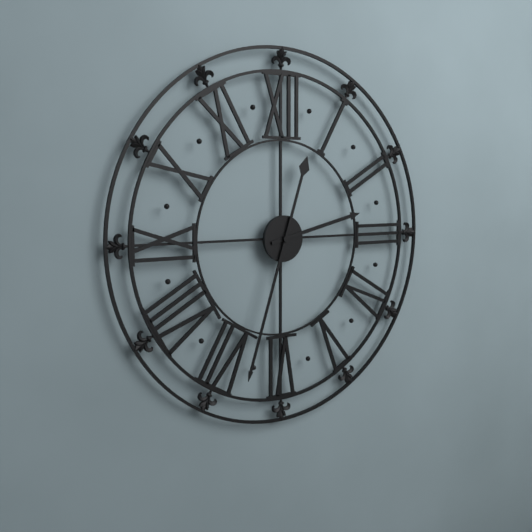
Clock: 2:33
